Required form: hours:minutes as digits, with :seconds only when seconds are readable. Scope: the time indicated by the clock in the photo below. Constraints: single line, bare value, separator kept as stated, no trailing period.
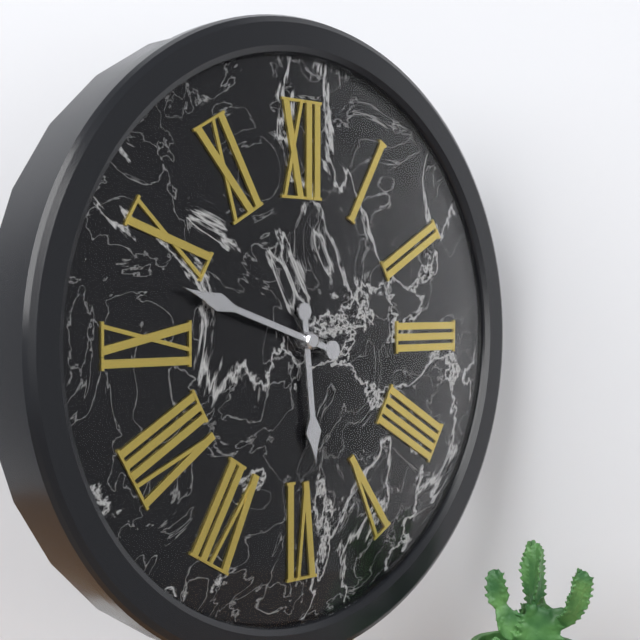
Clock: 5:48
